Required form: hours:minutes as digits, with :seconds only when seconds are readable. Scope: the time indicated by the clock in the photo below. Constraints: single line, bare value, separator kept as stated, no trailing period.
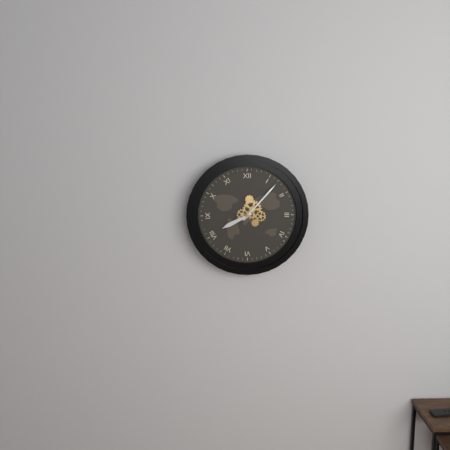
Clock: 8:07
